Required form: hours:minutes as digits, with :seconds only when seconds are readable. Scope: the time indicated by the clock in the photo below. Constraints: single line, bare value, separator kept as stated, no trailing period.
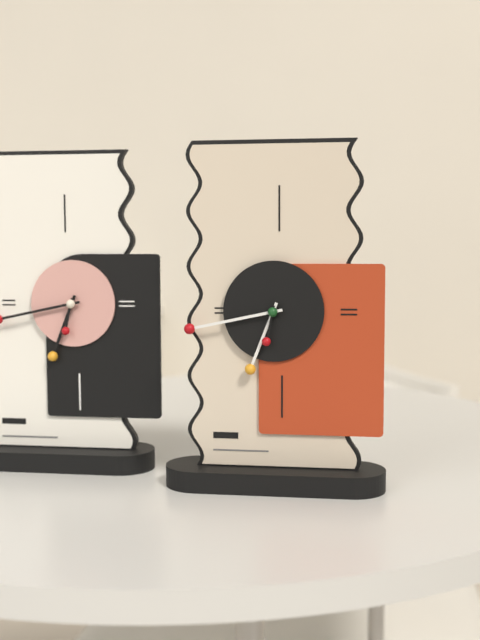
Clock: 6:43
